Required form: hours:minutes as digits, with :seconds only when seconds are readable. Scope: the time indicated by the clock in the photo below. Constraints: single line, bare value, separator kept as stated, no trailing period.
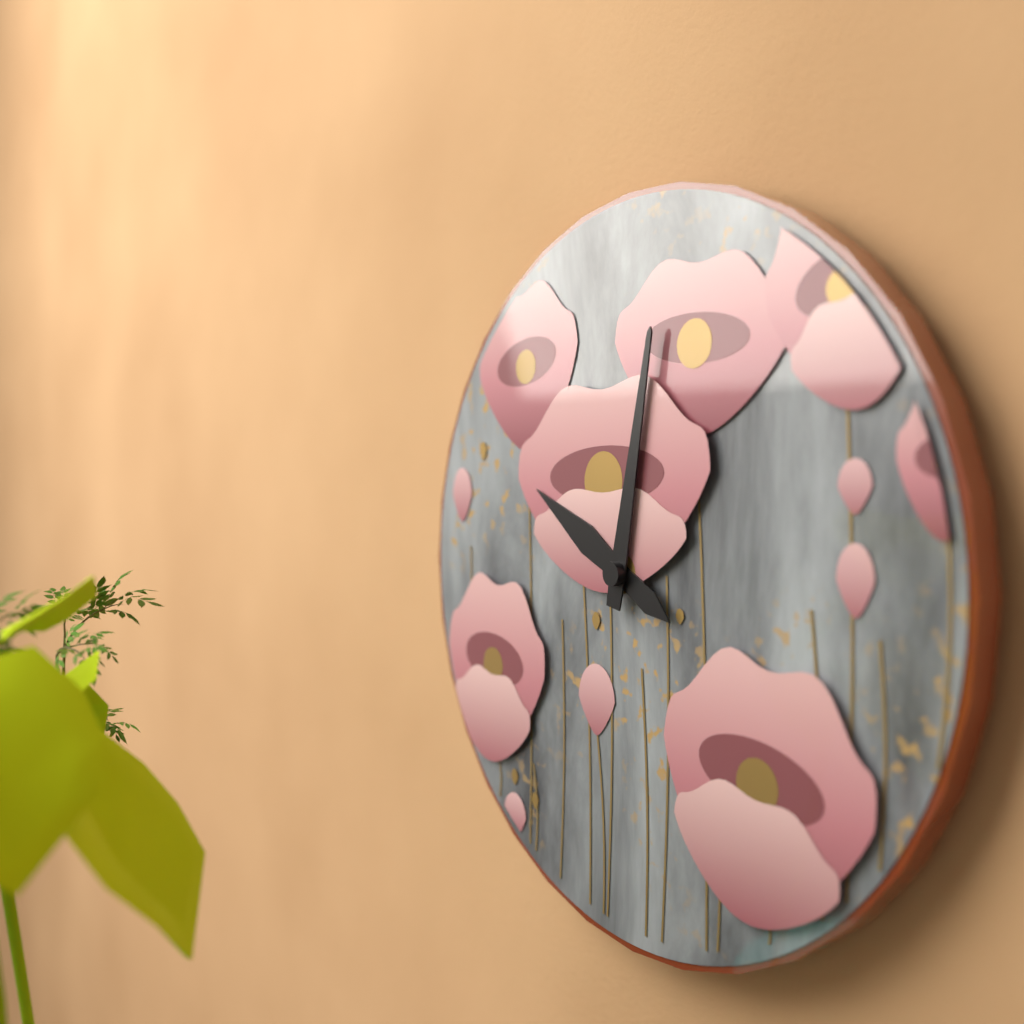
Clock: 10:02
